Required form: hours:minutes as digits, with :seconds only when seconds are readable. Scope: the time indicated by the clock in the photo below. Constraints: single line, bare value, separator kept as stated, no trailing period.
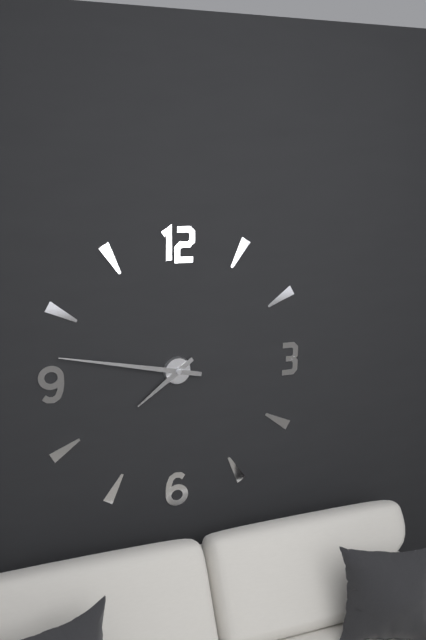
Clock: 7:47
